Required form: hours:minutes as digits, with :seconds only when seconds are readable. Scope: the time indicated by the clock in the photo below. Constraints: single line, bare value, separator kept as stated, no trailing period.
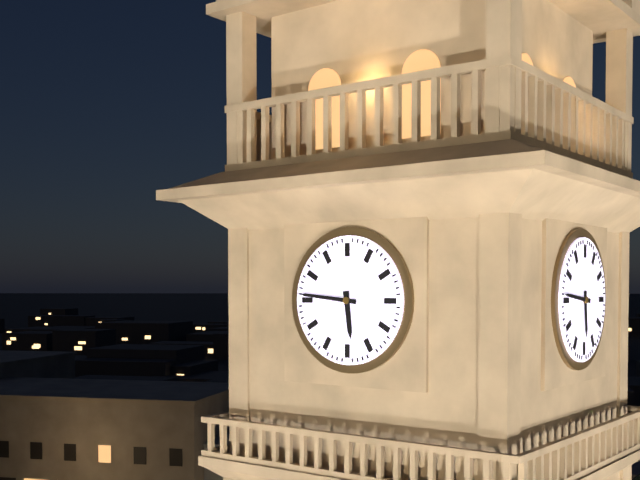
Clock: 5:46
